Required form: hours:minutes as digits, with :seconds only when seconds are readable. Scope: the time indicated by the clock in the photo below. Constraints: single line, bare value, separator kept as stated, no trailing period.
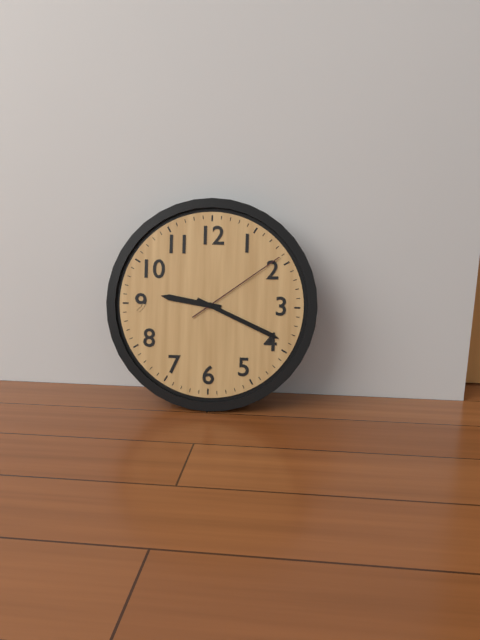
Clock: 9:19:09
